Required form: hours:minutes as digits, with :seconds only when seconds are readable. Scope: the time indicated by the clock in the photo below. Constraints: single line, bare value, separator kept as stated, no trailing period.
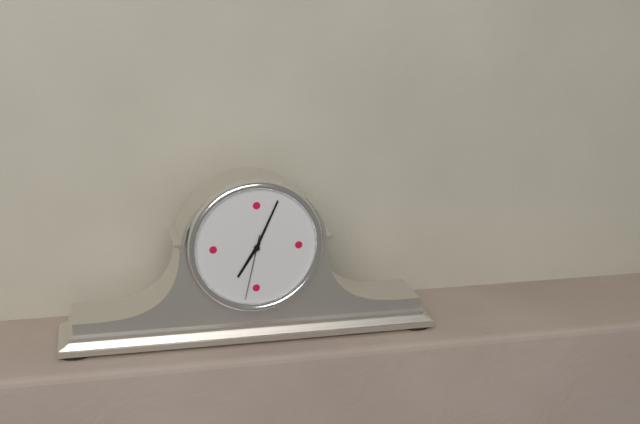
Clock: 7:04:32
